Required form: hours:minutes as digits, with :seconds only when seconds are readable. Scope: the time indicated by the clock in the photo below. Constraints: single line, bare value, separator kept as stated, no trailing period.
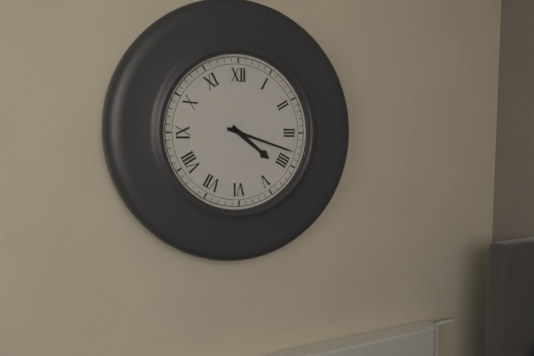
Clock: 4:18
